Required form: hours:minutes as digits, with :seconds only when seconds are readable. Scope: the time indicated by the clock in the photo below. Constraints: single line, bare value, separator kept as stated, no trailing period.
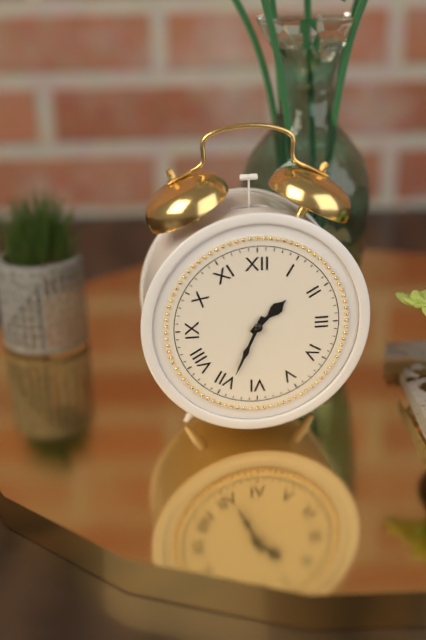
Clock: 1:34
